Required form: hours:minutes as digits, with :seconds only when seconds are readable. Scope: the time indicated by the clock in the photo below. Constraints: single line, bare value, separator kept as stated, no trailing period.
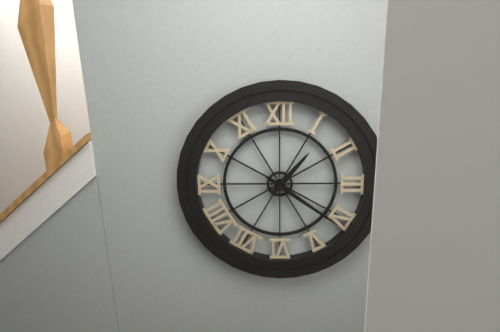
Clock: 1:21
